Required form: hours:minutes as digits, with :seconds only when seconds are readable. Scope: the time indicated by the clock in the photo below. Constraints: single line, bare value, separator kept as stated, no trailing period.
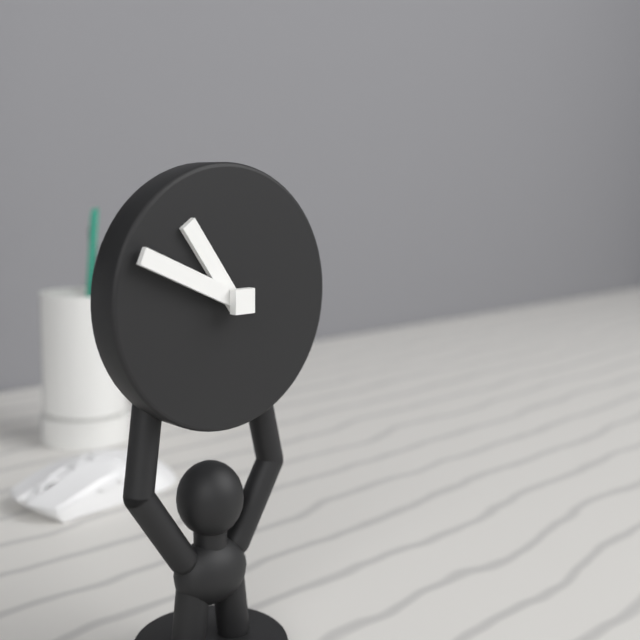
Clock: 10:49
